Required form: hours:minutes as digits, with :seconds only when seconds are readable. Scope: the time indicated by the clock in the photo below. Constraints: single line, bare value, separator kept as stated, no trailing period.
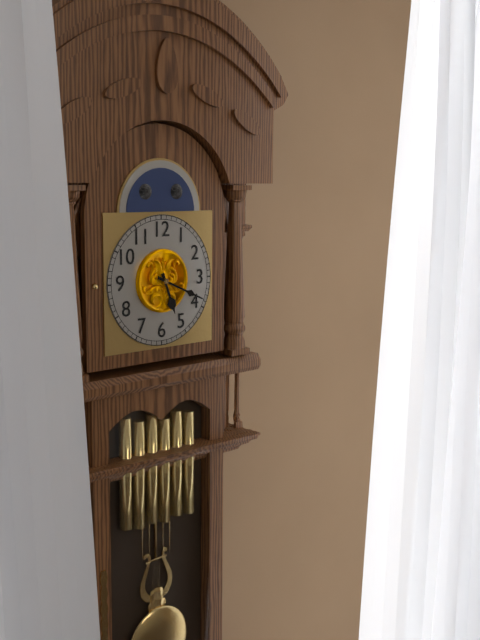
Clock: 5:19
